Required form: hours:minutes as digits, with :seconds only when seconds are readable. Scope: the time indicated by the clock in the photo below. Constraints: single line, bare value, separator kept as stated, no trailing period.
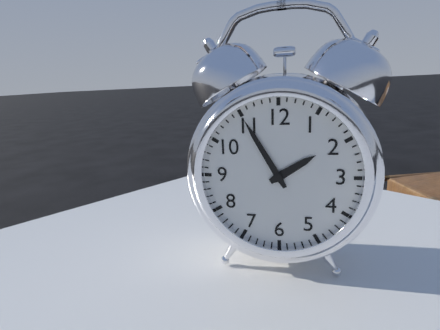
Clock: 1:55
